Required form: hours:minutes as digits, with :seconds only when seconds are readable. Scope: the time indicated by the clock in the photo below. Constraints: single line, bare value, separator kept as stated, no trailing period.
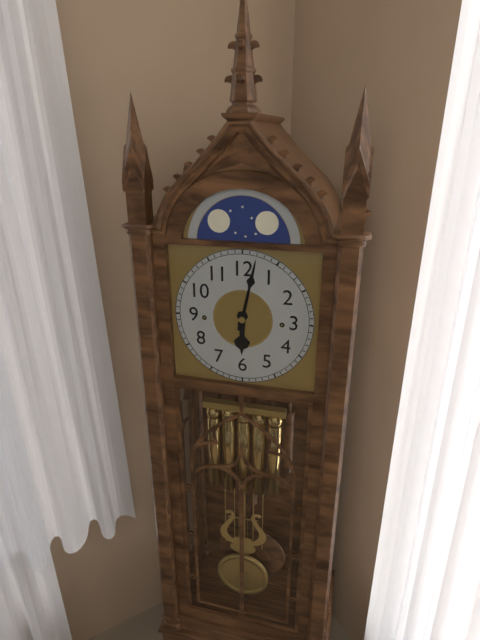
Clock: 6:02
